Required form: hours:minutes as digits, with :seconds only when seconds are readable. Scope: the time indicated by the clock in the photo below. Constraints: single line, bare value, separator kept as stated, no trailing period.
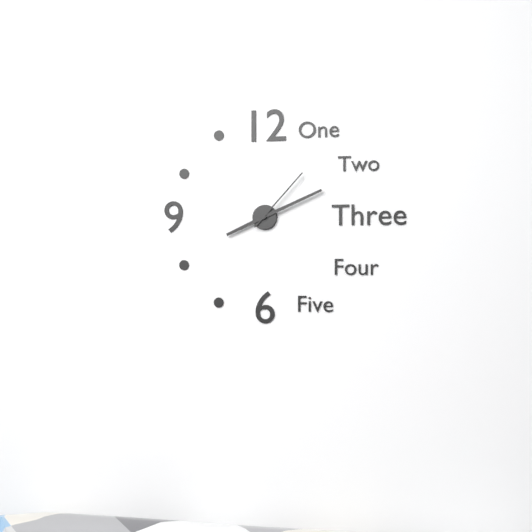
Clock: 8:11:07
